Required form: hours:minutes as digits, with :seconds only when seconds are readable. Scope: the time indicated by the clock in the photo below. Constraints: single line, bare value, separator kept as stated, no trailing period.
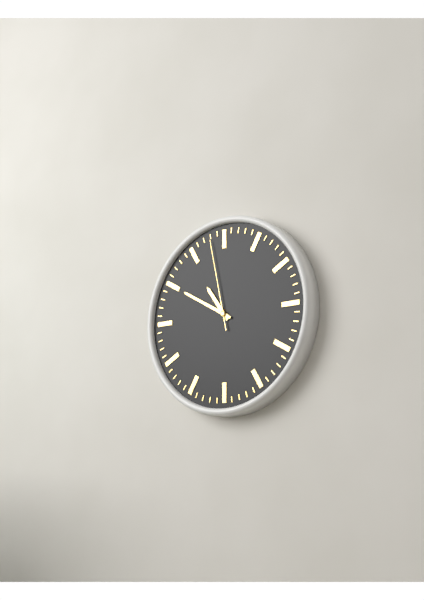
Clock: 10:50:58
